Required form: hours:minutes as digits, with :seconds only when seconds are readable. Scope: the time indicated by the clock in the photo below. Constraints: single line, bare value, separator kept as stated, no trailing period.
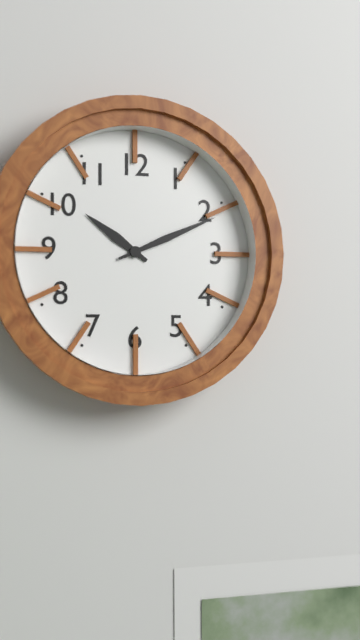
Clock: 10:11
